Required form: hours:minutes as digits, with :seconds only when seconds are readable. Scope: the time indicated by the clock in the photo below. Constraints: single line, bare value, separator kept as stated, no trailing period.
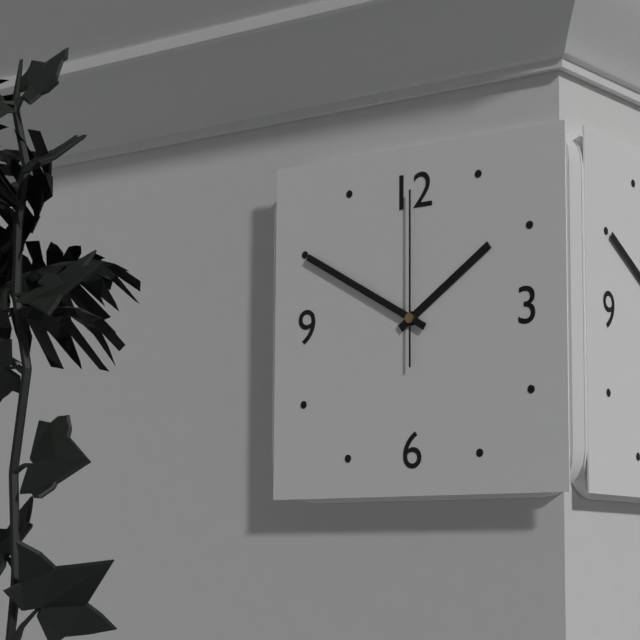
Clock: 1:50:00
